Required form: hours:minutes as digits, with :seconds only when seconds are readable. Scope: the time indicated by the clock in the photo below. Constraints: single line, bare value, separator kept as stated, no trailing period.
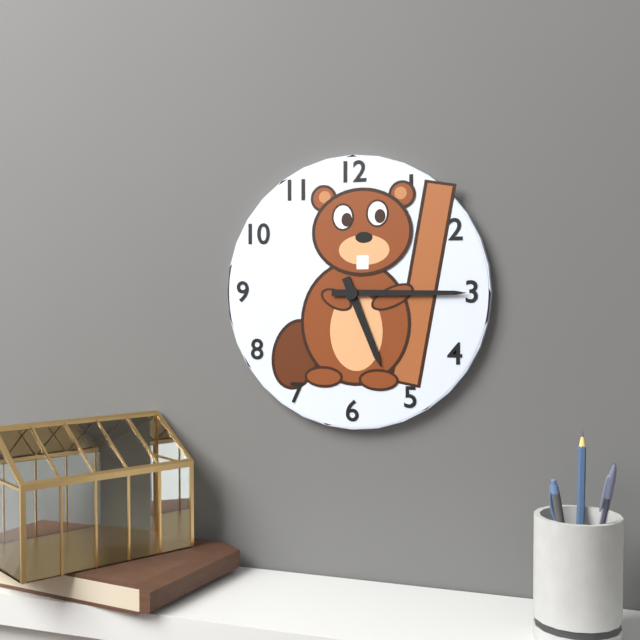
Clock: 5:15
